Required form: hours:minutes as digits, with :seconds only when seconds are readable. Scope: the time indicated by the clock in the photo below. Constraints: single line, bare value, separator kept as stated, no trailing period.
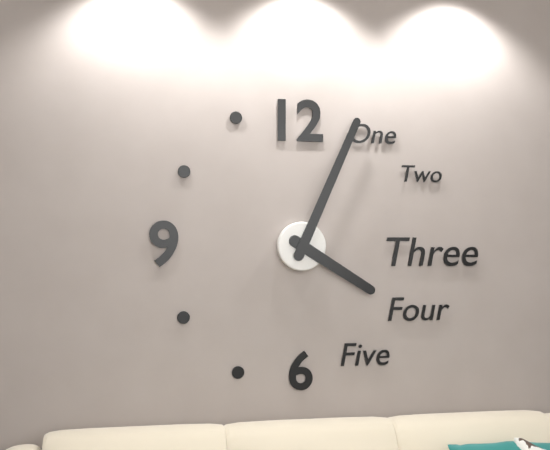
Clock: 4:04
